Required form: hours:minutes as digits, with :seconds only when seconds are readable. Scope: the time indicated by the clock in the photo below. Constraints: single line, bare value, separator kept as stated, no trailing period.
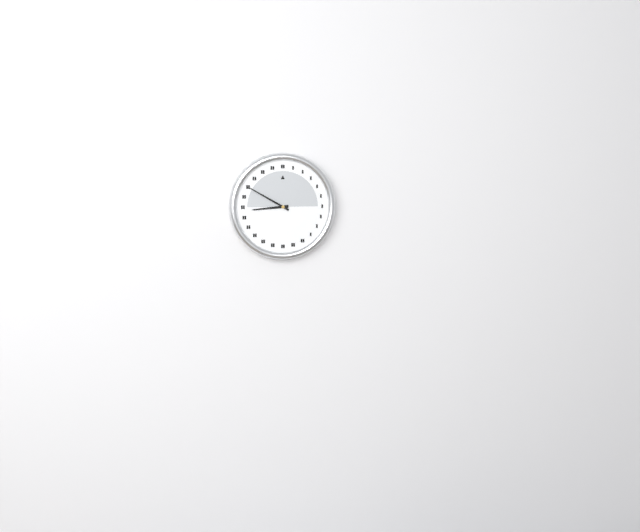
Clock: 8:50
